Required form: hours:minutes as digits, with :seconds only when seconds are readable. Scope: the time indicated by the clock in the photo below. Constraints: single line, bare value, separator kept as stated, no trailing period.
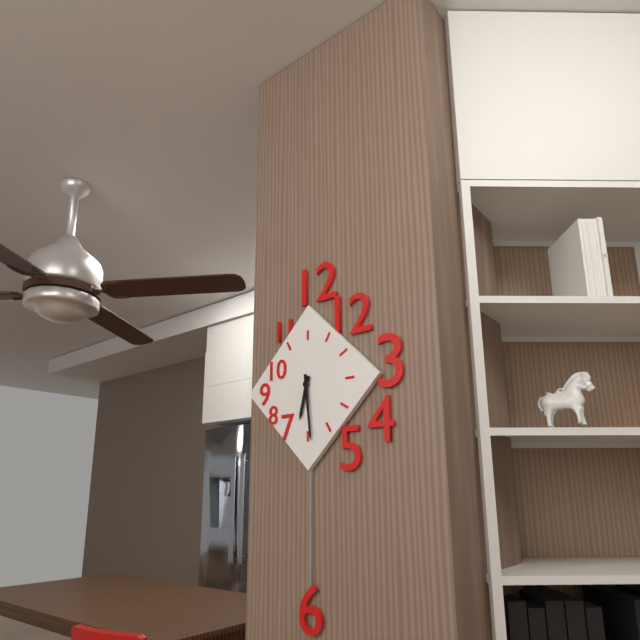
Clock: 6:29
